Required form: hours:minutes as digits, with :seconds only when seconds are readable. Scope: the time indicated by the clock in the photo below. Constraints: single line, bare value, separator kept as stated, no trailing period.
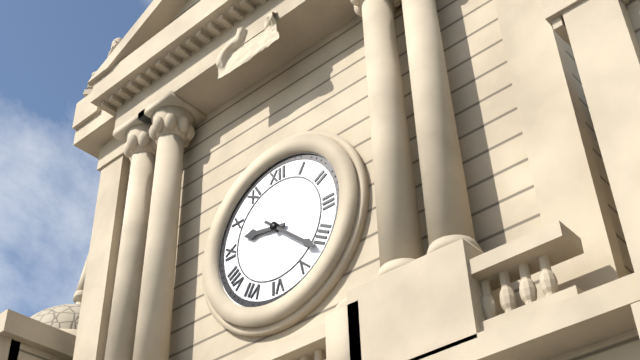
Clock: 9:22
